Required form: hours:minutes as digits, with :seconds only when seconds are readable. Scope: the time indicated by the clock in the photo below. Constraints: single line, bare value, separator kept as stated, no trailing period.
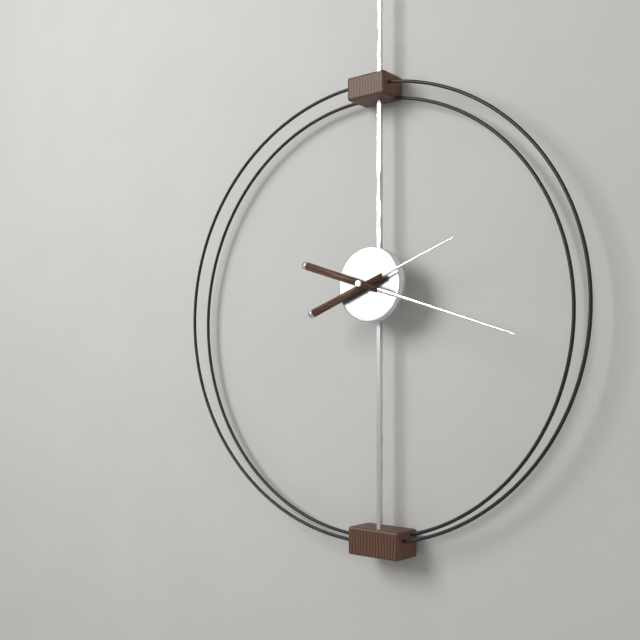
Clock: 2:18
